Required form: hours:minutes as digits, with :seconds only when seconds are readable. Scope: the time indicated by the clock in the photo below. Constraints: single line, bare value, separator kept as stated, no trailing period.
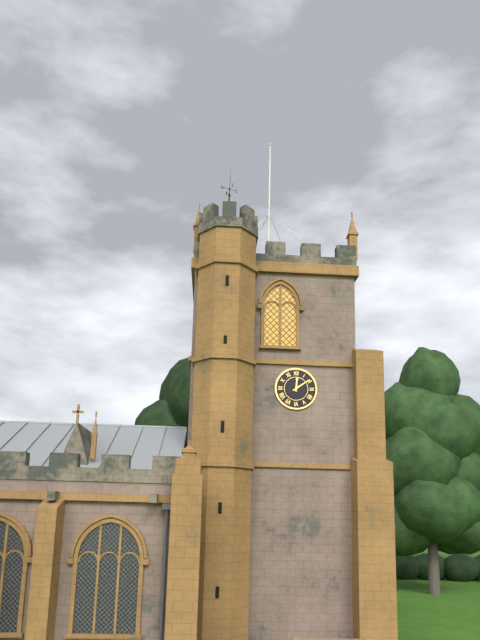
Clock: 12:09
